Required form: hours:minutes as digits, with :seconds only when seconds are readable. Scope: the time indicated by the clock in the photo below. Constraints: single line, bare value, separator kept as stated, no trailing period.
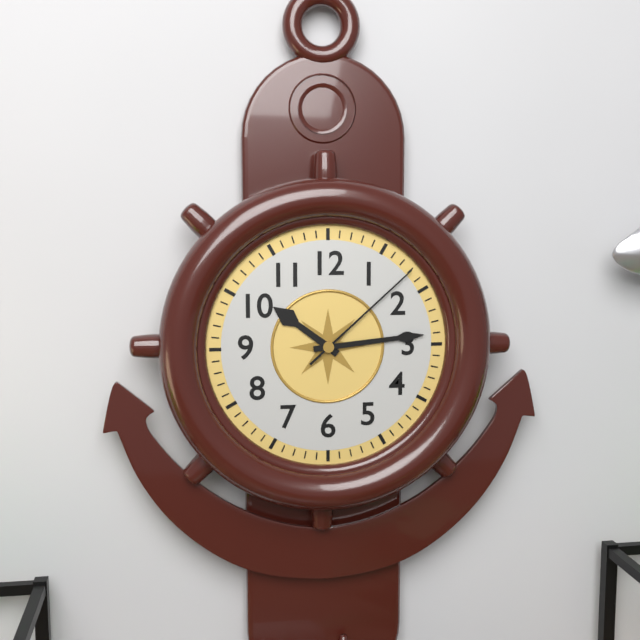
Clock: 10:14:08
